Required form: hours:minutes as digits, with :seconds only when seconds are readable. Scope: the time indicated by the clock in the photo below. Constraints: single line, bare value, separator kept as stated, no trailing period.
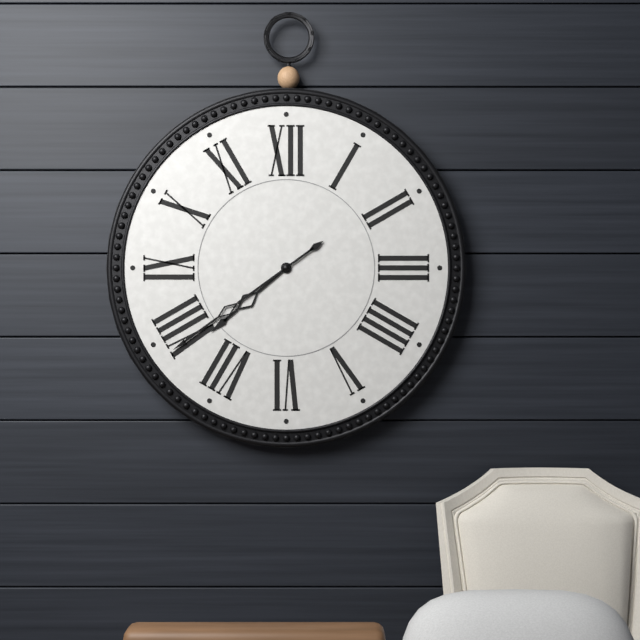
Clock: 7:39
